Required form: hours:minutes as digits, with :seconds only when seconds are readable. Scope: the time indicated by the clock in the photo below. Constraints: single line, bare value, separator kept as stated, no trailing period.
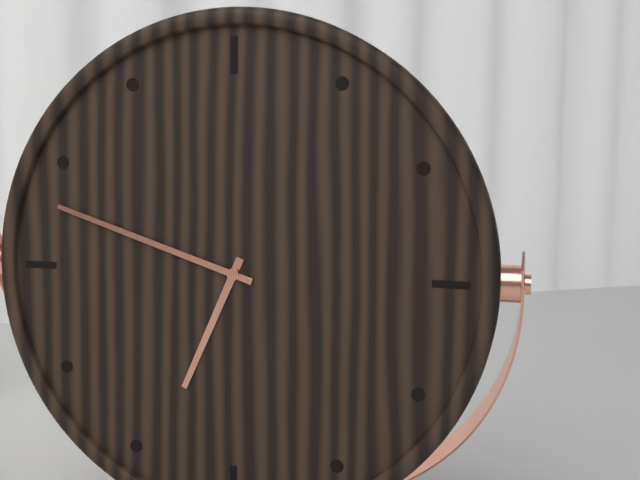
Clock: 6:48
